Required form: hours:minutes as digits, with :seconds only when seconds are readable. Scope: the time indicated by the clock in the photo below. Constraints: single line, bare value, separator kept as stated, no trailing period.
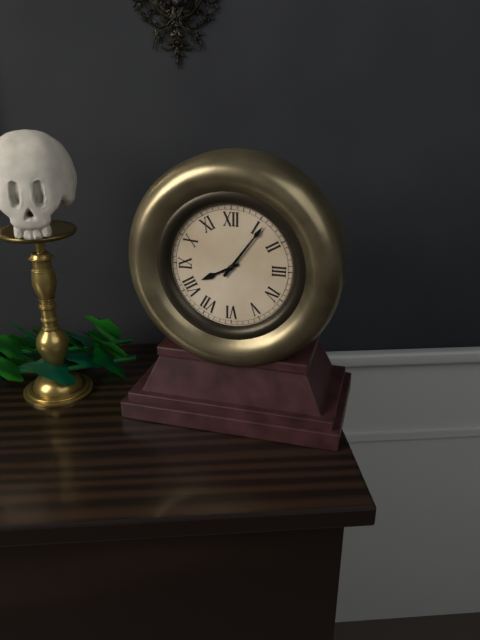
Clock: 8:06
